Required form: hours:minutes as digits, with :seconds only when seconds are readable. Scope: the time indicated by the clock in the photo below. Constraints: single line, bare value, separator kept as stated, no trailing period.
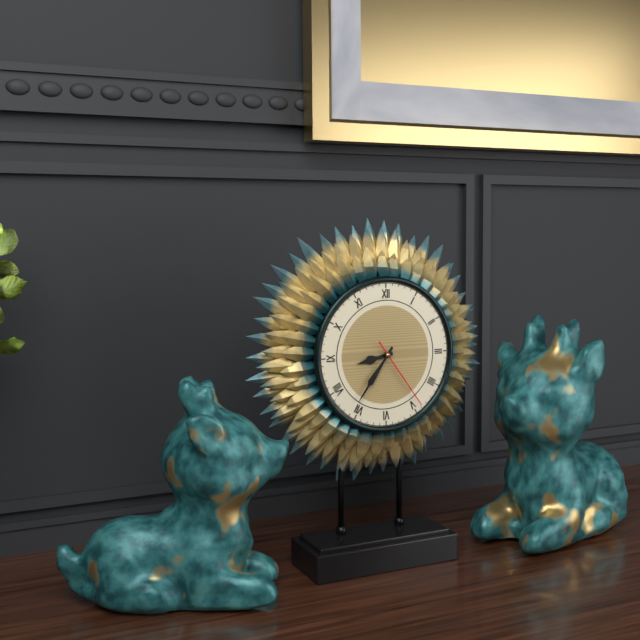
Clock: 8:36:24
